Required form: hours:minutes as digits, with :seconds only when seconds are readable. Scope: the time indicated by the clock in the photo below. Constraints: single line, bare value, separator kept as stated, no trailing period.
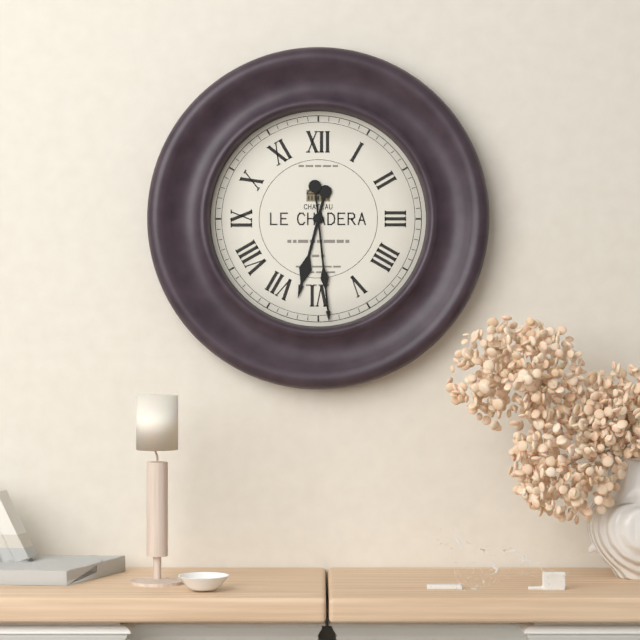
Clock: 6:29
